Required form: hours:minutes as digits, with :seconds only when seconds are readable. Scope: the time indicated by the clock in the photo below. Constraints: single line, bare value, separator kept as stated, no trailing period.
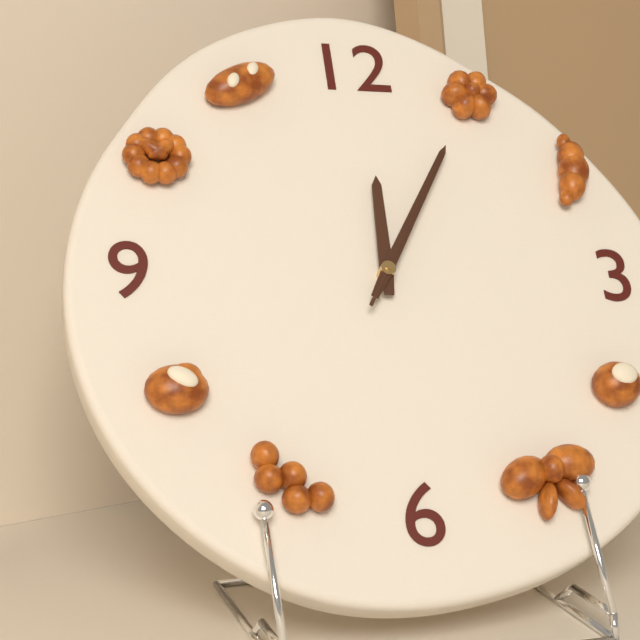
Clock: 12:05:05
